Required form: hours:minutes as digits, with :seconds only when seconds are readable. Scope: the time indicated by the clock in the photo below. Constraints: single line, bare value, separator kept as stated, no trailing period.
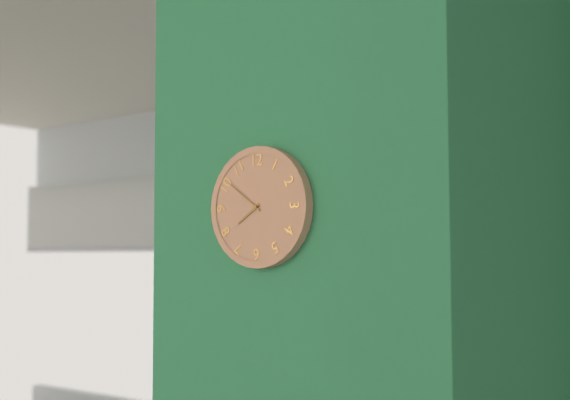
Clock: 7:51
